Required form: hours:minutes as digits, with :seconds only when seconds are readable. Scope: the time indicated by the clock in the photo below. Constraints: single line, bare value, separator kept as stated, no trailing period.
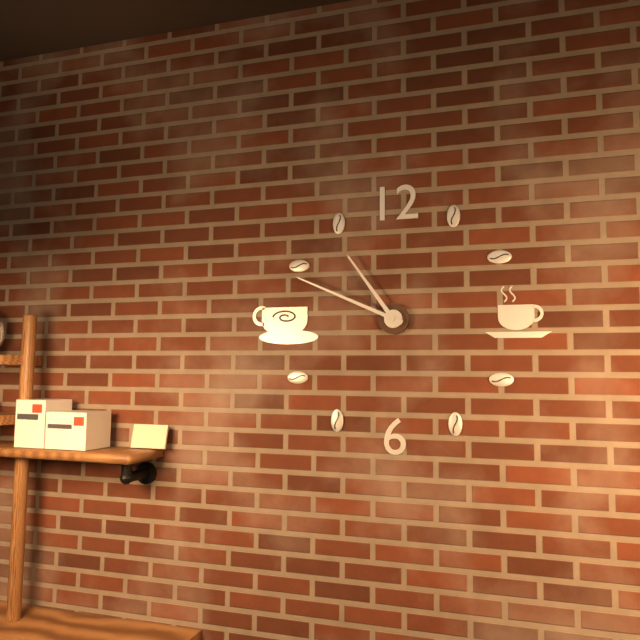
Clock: 10:49
